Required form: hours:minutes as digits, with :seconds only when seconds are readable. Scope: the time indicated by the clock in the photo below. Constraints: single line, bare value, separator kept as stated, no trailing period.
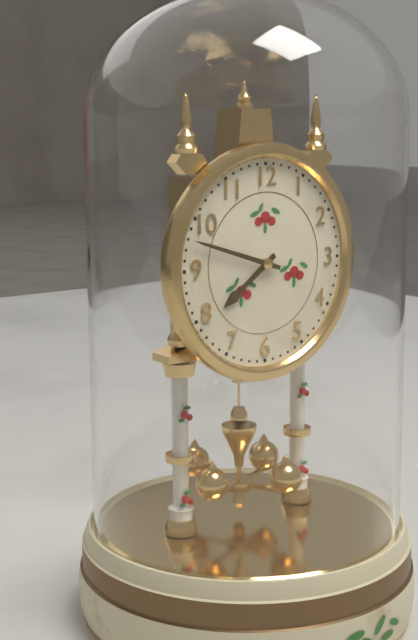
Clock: 7:48
